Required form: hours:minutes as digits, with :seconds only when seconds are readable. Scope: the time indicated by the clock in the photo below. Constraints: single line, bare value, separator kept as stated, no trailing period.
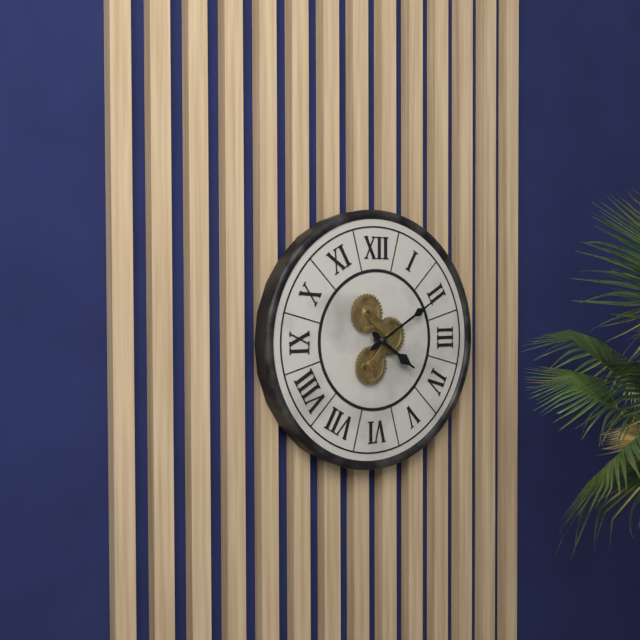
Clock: 4:10
